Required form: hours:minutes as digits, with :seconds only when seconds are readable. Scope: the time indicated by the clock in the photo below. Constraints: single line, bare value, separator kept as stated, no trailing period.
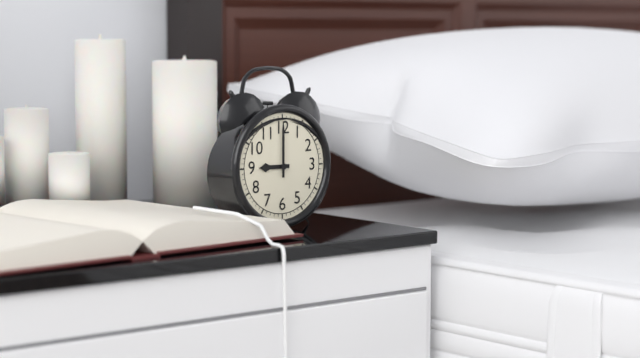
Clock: 9:00
